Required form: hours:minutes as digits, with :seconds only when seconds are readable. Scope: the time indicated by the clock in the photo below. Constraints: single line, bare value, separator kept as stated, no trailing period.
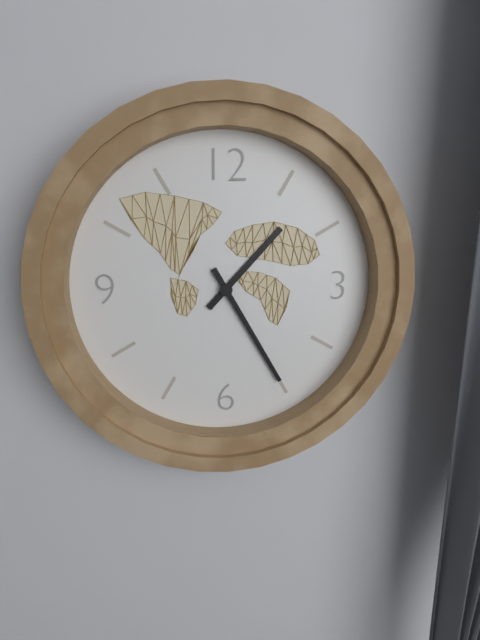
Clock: 1:25
